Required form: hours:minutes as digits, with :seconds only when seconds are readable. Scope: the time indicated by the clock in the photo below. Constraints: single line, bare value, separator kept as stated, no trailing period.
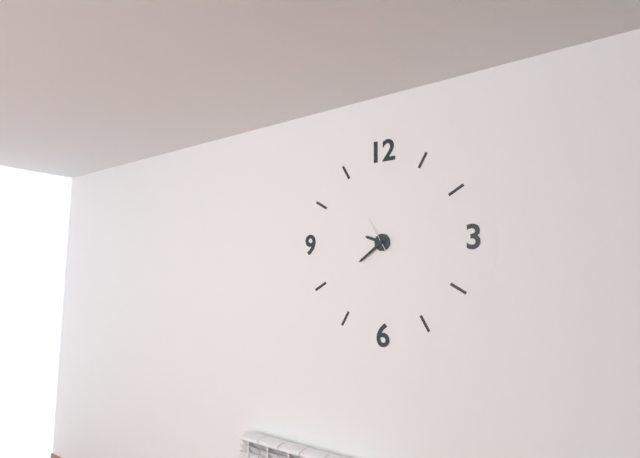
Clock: 9:39
